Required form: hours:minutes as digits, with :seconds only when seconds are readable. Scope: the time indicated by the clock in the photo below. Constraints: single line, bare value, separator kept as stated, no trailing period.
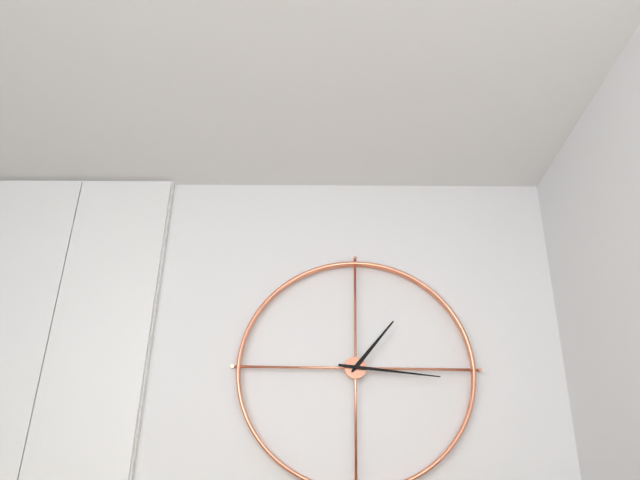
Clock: 1:16
